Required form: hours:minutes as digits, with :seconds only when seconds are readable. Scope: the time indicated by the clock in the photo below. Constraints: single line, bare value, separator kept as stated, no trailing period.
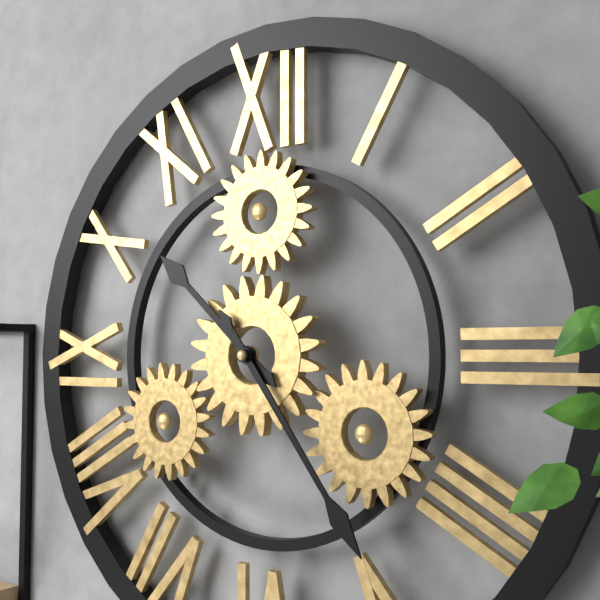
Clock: 10:24
